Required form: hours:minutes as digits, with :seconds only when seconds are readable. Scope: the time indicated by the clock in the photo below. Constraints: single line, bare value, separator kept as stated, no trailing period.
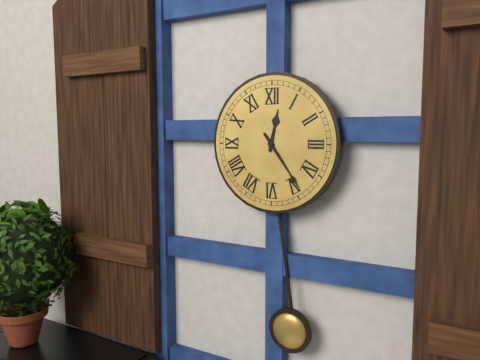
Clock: 12:24
